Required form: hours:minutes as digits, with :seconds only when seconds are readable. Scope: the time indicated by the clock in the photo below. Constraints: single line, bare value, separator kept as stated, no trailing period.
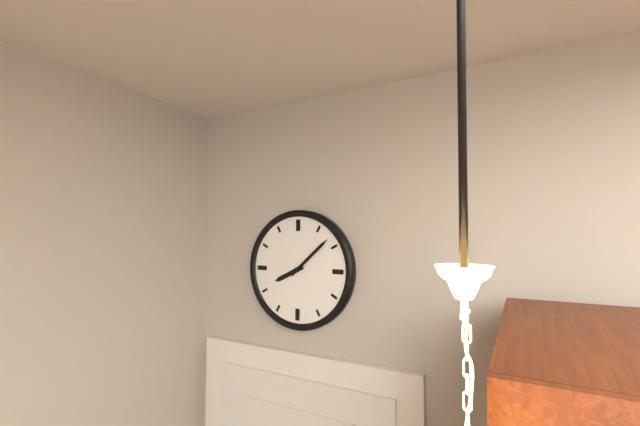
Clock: 8:08
